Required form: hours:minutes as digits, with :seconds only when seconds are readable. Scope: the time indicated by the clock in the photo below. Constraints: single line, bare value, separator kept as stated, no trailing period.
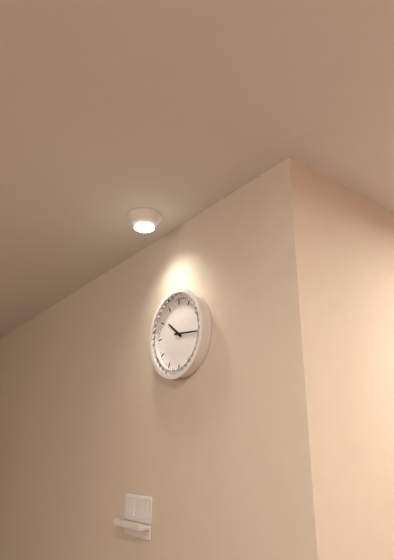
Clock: 10:16
